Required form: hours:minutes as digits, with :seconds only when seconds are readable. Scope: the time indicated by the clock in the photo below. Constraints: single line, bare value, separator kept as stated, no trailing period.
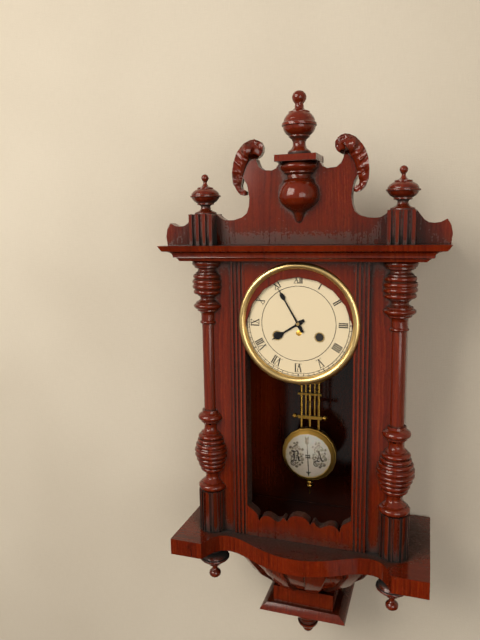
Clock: 7:55
